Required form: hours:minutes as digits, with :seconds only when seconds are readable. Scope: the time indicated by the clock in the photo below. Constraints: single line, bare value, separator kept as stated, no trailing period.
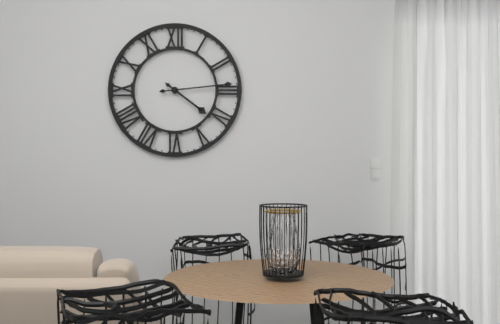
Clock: 4:14
